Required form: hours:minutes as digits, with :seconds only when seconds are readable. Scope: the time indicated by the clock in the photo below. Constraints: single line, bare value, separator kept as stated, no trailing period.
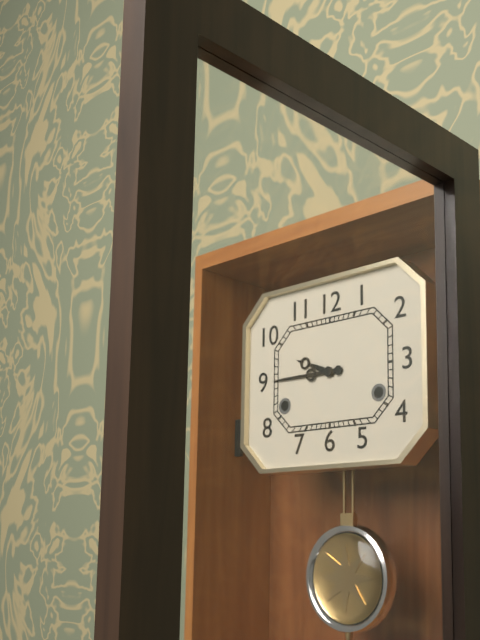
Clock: 9:45
